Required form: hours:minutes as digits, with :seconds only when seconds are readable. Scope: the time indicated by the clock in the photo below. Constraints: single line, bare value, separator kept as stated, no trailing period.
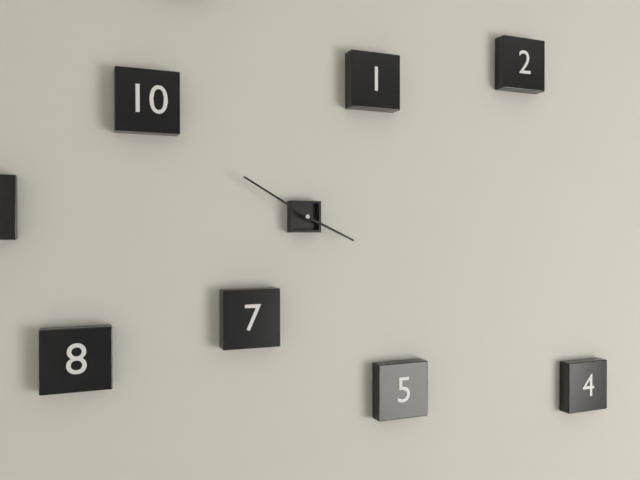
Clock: 3:50
